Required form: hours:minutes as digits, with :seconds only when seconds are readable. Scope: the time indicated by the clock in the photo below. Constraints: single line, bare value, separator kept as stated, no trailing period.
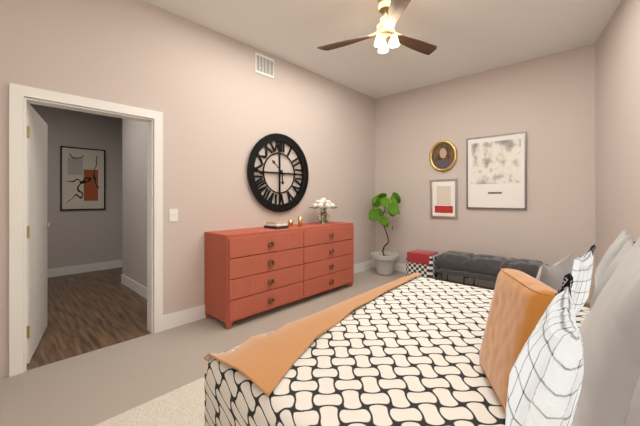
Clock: 5:52
